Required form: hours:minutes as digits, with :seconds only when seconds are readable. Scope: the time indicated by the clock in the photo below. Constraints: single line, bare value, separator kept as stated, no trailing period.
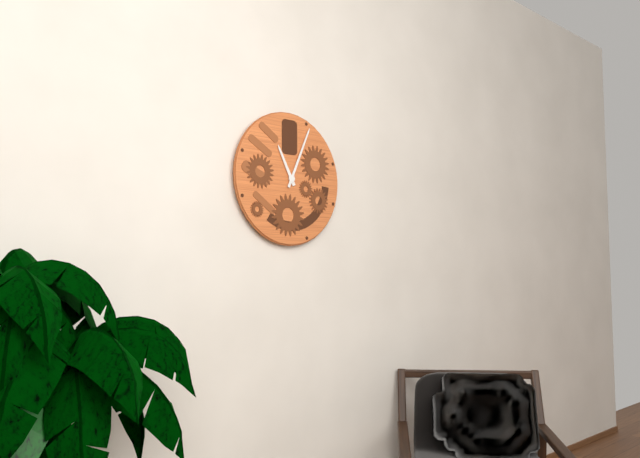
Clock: 11:04
